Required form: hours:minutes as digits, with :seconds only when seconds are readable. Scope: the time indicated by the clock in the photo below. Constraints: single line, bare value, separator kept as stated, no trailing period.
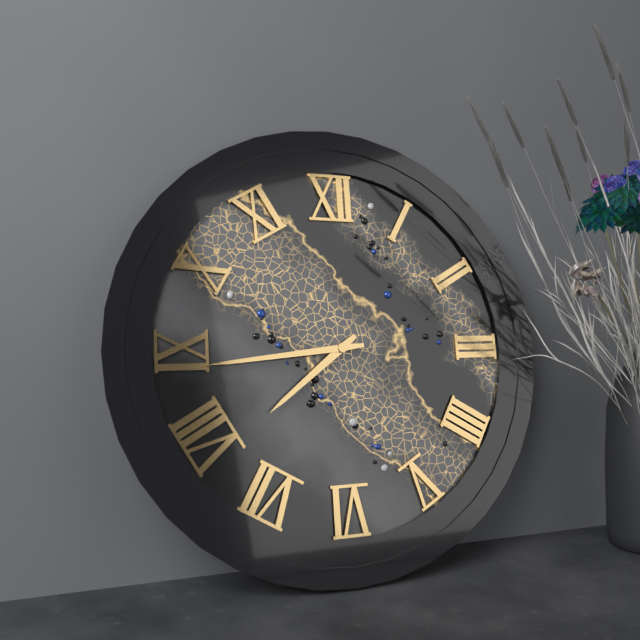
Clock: 7:44
